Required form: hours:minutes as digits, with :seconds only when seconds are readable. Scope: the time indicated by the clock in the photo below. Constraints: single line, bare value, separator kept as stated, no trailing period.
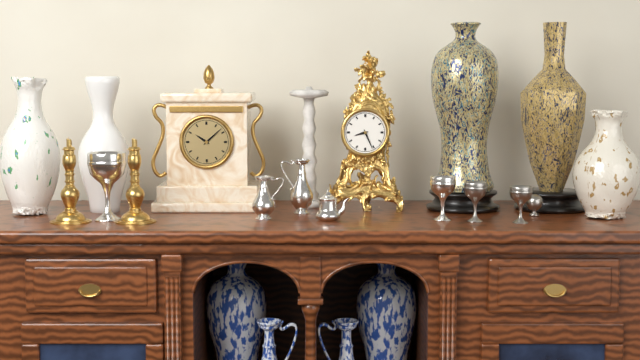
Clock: 8:26
